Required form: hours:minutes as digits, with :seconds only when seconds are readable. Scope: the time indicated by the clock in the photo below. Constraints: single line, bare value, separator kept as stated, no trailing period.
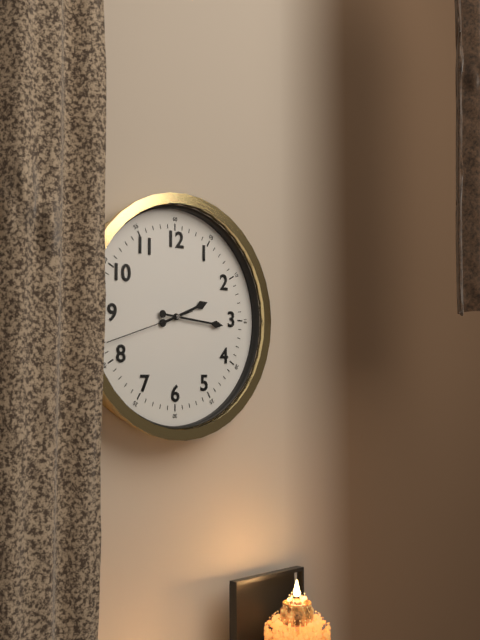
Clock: 2:16:42
